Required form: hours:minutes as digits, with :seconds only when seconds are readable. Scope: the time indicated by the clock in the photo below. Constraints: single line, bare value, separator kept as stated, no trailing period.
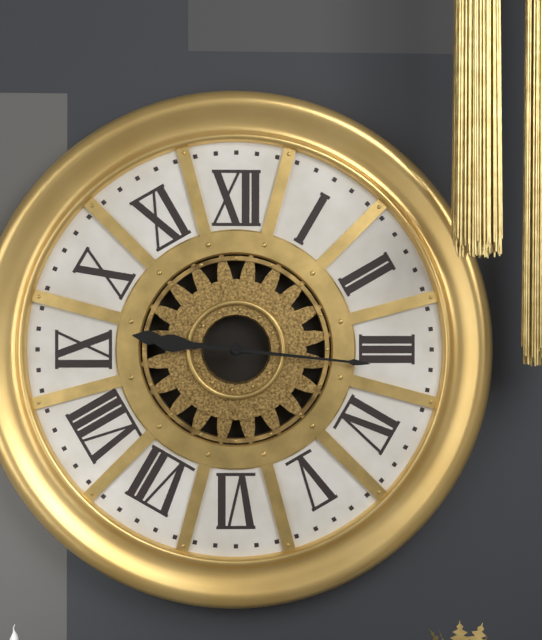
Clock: 9:16
